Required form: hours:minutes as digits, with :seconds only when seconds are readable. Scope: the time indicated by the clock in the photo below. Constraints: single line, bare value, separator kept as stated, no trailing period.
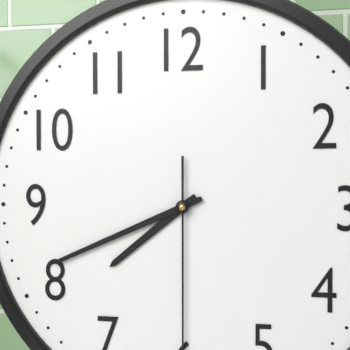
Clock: 7:41
